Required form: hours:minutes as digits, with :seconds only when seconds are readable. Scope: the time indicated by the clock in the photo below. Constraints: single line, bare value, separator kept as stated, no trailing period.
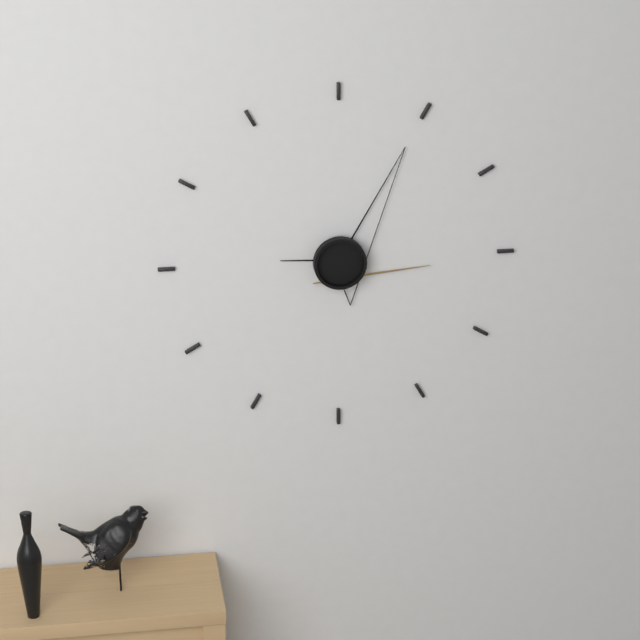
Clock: 9:05:16
